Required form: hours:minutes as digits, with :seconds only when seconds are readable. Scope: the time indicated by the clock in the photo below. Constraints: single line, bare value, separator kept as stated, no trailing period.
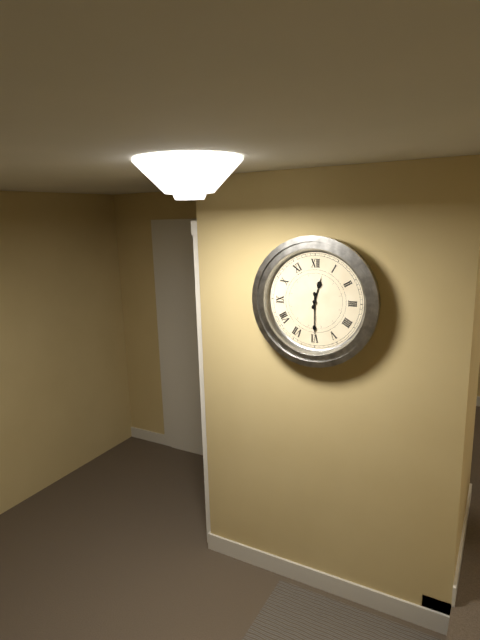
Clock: 12:30
